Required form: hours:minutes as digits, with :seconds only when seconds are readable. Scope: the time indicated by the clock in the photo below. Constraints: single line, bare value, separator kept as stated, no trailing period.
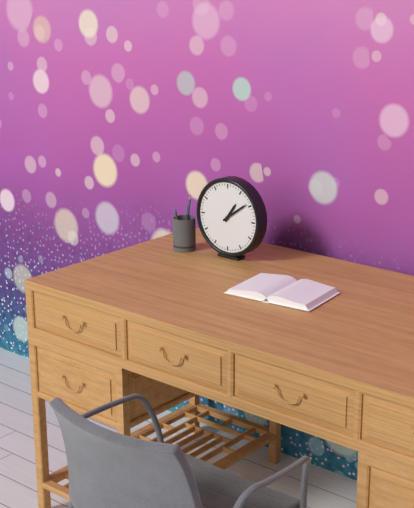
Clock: 1:09
